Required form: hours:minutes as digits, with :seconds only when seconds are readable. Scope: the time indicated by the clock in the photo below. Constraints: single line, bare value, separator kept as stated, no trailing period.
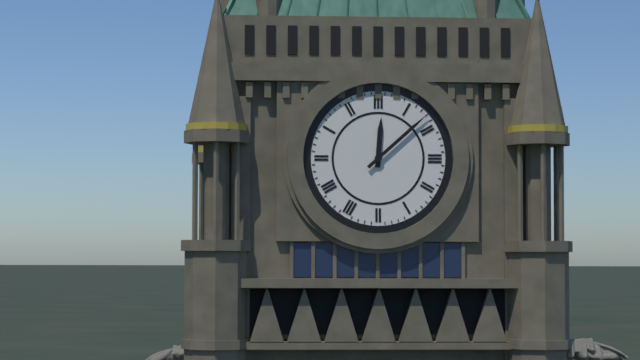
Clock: 12:08
